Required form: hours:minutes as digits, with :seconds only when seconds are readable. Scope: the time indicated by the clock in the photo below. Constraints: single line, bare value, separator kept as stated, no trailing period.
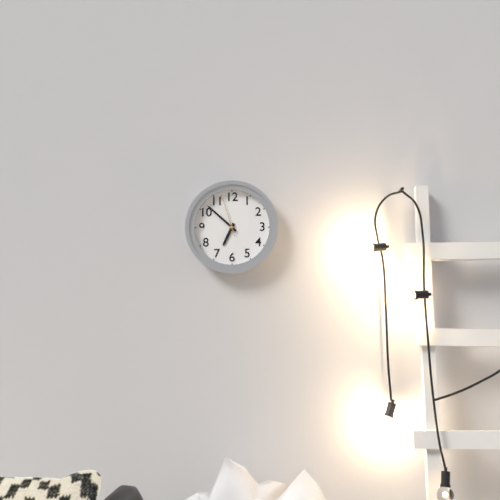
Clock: 6:52
